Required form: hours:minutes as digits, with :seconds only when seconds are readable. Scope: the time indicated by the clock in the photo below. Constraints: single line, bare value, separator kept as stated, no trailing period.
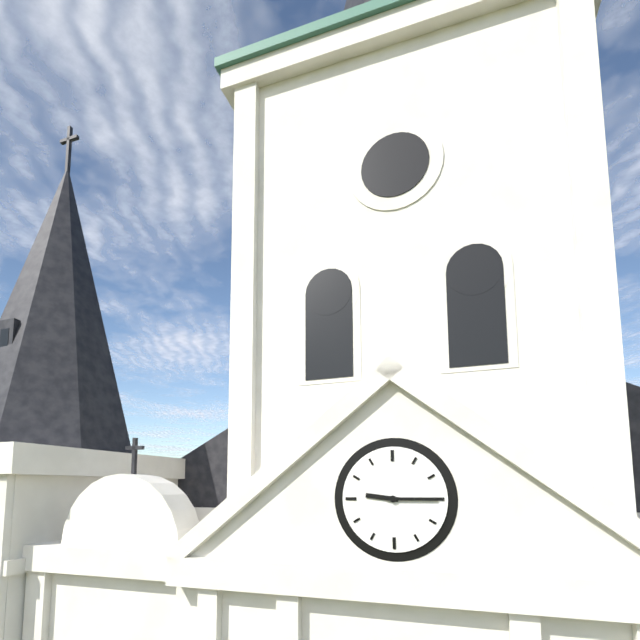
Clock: 9:15
